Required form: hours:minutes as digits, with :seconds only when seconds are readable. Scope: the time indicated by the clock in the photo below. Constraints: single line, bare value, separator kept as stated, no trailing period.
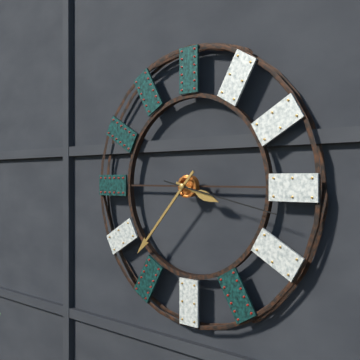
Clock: 3:37:17
